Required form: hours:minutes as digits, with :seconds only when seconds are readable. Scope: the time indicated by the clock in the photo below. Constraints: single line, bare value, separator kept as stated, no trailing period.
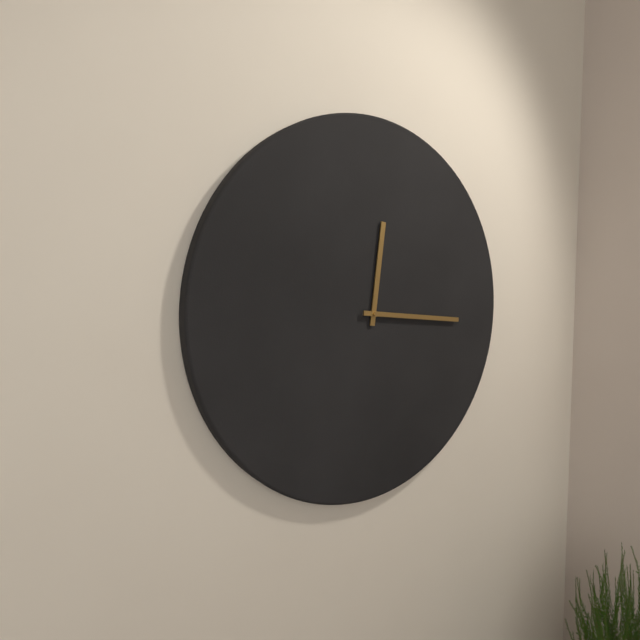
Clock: 12:16
